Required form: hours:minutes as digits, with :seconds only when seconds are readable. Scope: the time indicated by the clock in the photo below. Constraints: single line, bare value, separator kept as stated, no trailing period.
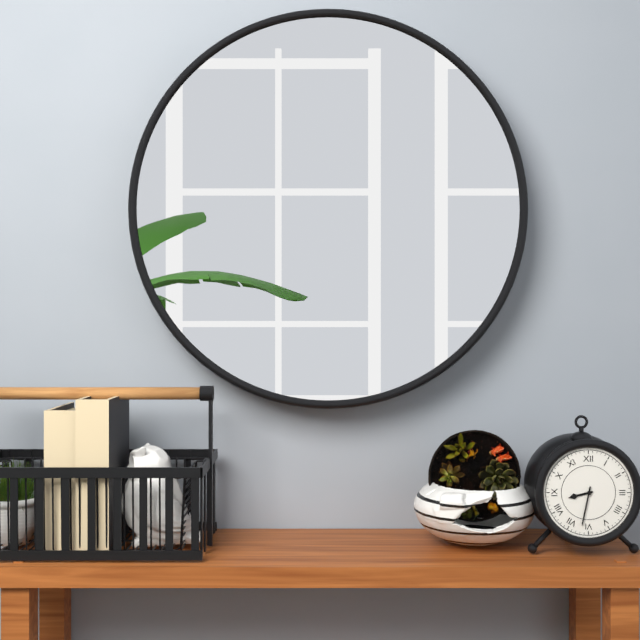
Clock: 8:32
